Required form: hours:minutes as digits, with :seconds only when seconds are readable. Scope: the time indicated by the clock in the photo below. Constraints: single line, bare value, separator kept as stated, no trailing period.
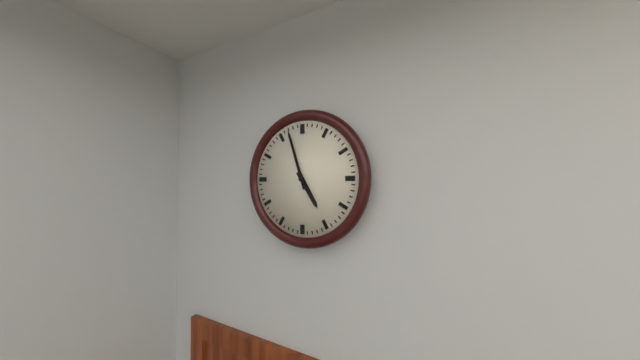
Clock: 4:57
